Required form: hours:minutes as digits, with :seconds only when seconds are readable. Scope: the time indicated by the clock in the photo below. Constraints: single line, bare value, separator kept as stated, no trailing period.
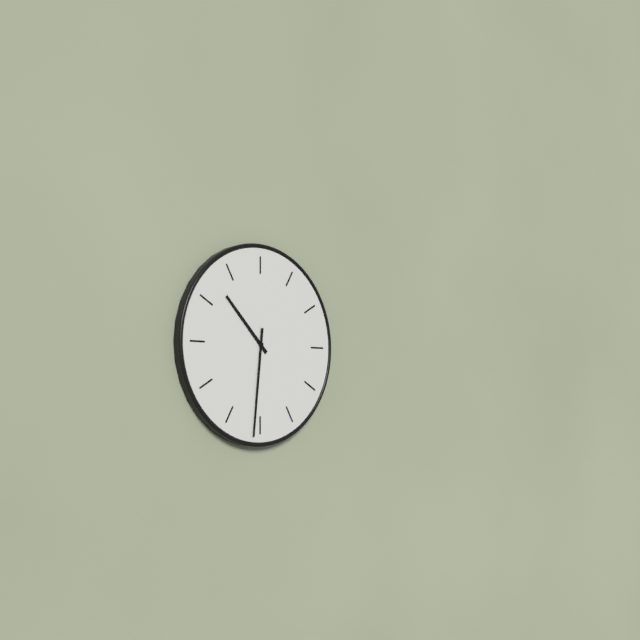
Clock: 10:31
